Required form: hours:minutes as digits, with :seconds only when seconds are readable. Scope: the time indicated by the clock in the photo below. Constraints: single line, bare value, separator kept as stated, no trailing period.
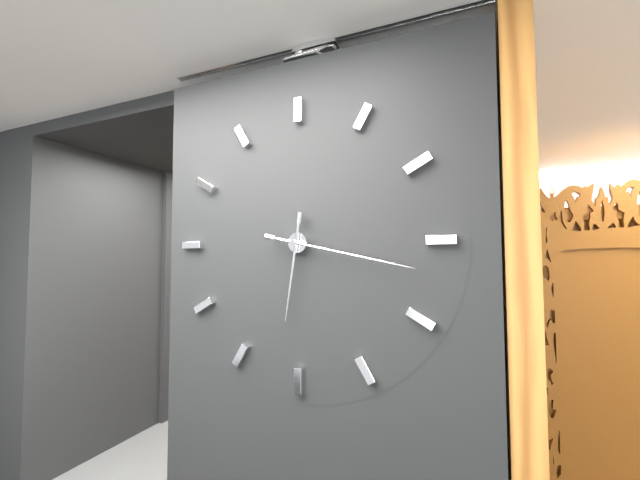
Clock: 6:17
